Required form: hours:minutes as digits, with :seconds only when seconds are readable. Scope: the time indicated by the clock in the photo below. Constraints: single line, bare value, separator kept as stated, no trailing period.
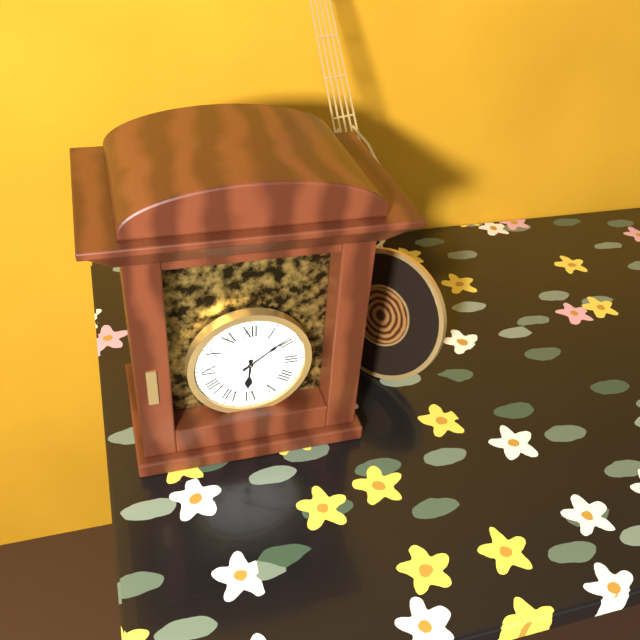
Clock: 6:09
